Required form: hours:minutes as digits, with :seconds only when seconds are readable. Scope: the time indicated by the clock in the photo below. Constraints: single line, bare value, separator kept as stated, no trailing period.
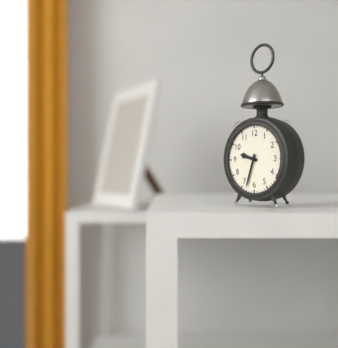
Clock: 9:33
